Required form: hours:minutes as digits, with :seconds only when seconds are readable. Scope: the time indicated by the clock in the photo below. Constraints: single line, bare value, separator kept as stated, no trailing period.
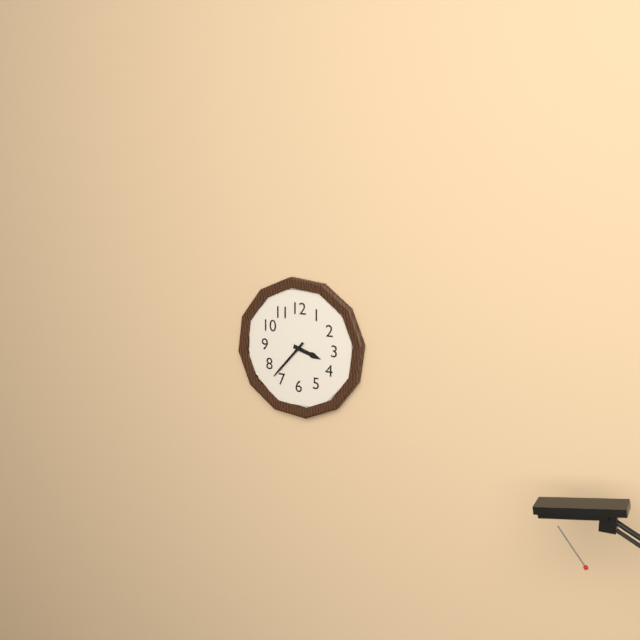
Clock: 3:37
